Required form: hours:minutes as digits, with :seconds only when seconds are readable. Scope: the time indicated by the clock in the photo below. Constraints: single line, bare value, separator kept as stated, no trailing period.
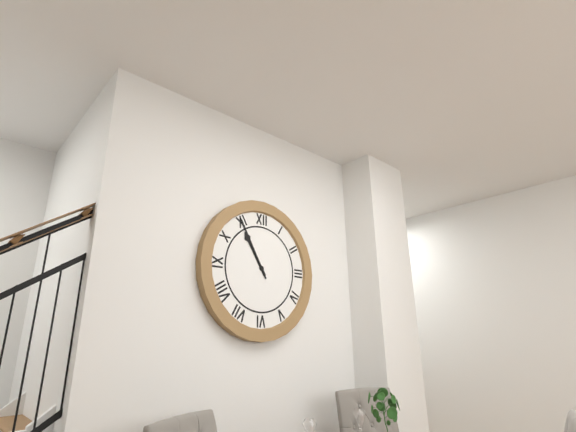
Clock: 10:55
